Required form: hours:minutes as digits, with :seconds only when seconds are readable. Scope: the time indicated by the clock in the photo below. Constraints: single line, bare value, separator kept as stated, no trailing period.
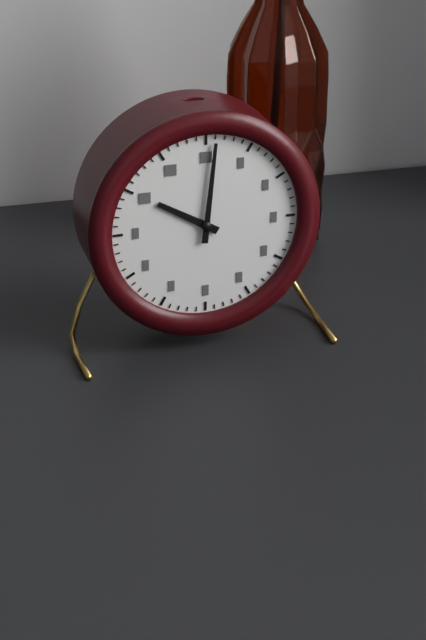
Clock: 10:01
